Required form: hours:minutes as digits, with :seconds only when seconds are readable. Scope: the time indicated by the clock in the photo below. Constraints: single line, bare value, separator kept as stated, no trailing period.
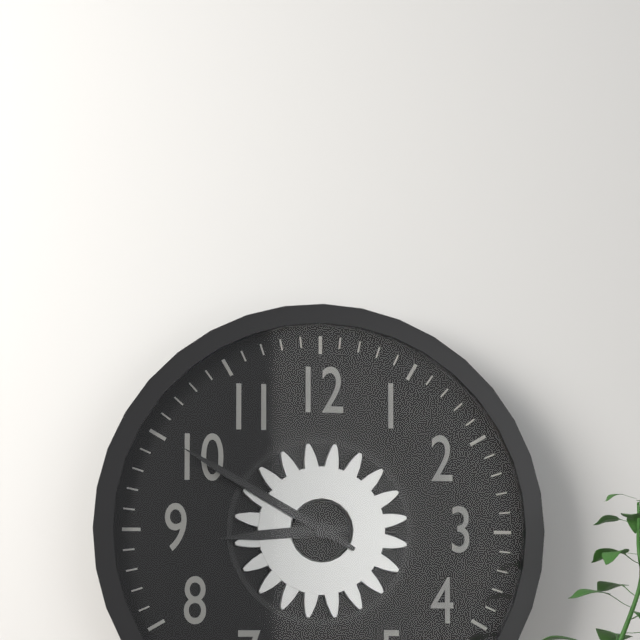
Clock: 8:50
